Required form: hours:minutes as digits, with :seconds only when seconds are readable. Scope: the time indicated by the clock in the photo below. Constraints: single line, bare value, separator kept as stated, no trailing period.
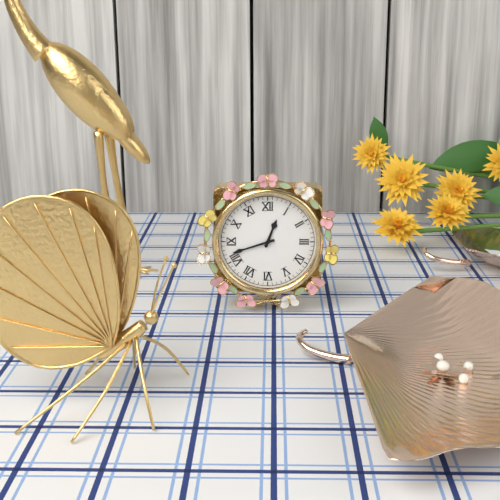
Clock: 12:42
